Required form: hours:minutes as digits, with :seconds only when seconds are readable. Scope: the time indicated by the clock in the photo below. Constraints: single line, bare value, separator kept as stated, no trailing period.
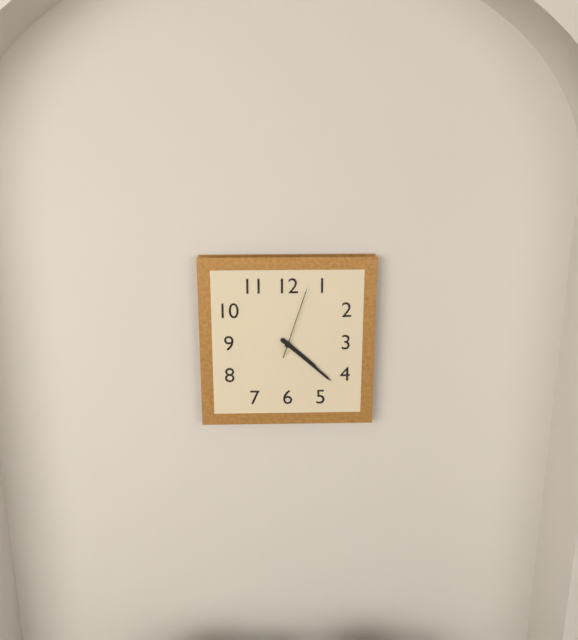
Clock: 4:22:03
